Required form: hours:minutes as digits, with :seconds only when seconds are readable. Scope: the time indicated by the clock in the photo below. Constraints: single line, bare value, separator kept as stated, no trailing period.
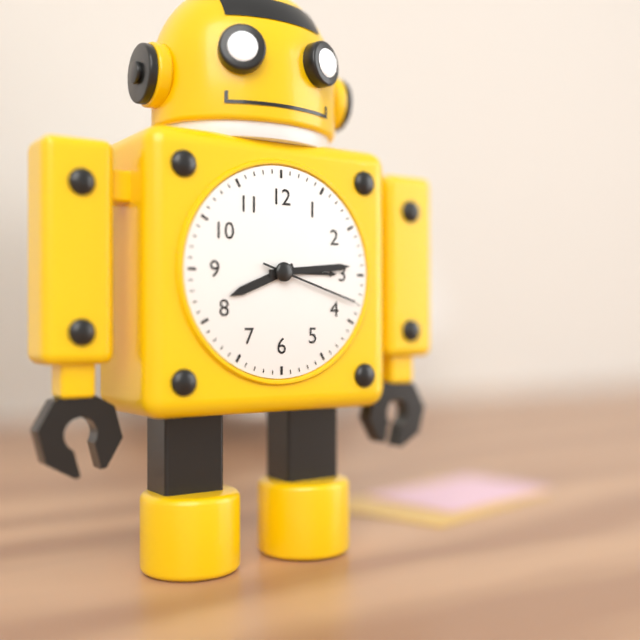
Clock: 8:14:18
